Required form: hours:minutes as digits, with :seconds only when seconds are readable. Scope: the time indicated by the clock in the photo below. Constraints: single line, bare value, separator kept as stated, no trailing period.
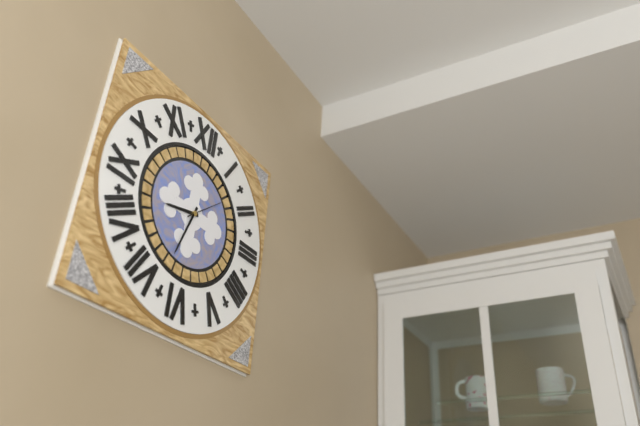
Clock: 8:33
